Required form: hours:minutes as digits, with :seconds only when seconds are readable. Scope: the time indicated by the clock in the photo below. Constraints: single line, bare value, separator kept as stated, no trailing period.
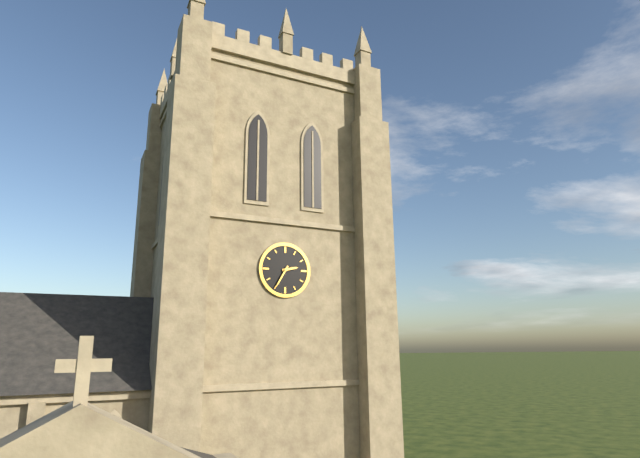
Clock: 2:35
